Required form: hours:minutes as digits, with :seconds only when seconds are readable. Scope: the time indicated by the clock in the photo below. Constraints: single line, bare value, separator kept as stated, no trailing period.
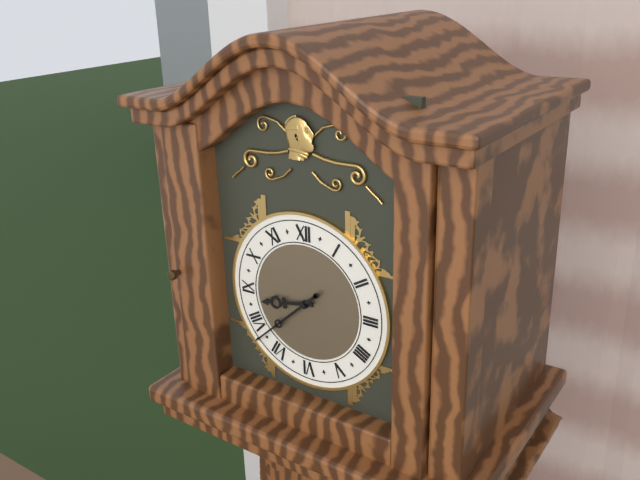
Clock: 8:38
